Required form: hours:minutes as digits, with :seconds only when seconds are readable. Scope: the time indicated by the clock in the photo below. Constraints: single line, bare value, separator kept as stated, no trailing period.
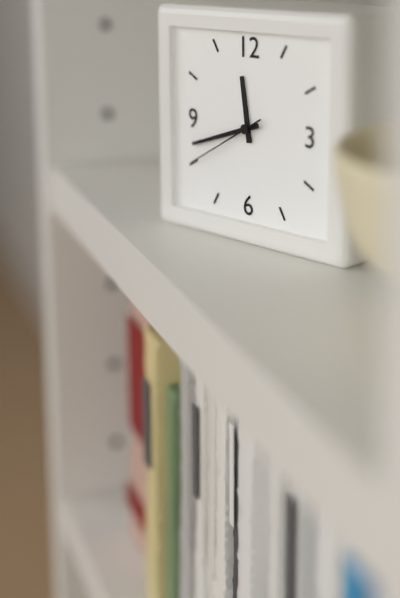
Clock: 11:42:40
